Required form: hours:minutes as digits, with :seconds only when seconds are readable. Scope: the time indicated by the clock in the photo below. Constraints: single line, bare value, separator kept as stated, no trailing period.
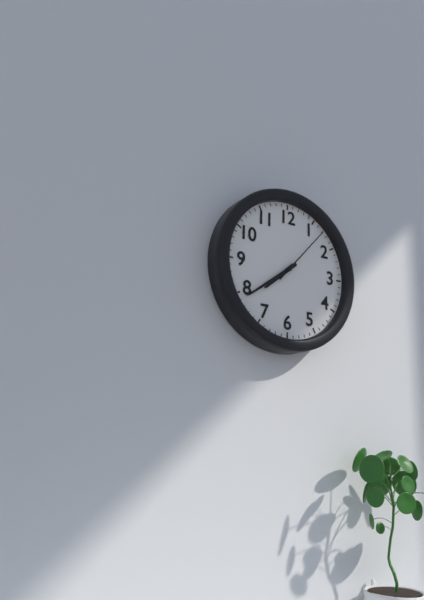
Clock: 7:39:07
